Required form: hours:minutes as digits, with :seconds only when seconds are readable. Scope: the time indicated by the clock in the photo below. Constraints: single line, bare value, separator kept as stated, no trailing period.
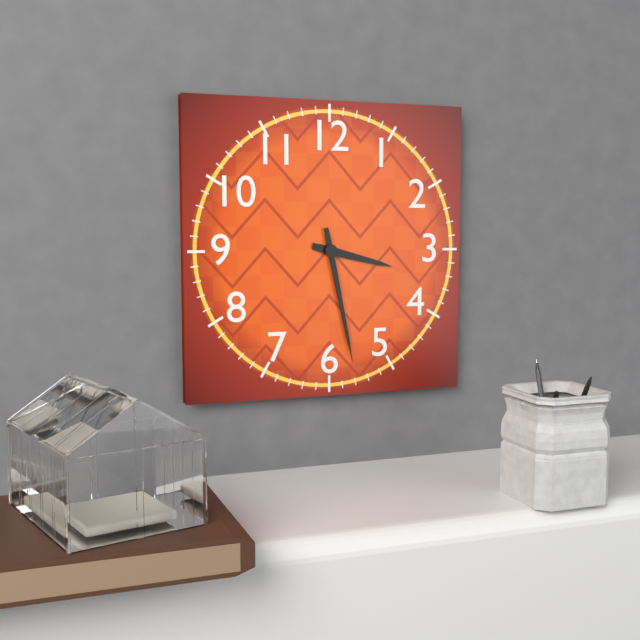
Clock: 3:28
